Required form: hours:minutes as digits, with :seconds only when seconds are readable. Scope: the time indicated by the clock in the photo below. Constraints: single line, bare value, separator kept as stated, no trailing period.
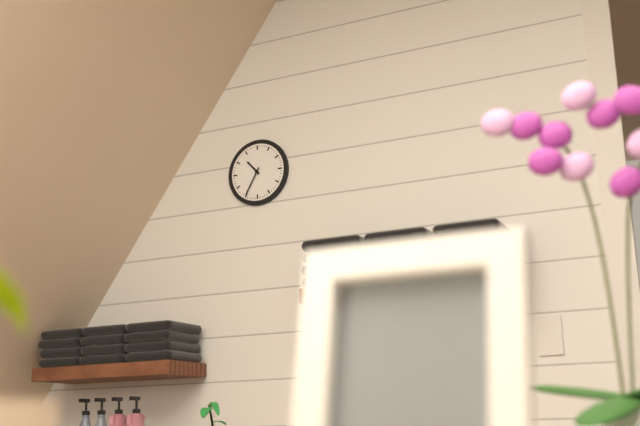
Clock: 10:35
